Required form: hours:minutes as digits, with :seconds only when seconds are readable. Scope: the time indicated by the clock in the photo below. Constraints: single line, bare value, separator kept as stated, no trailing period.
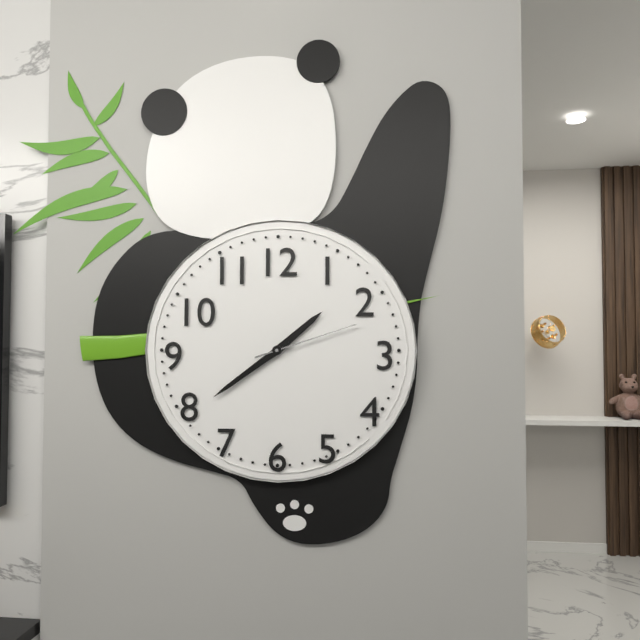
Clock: 1:39:12
